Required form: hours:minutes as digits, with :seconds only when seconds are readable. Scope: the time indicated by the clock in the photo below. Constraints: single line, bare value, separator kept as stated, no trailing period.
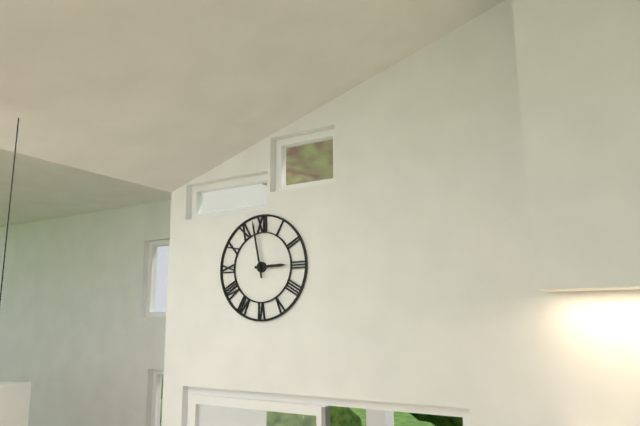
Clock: 2:58
